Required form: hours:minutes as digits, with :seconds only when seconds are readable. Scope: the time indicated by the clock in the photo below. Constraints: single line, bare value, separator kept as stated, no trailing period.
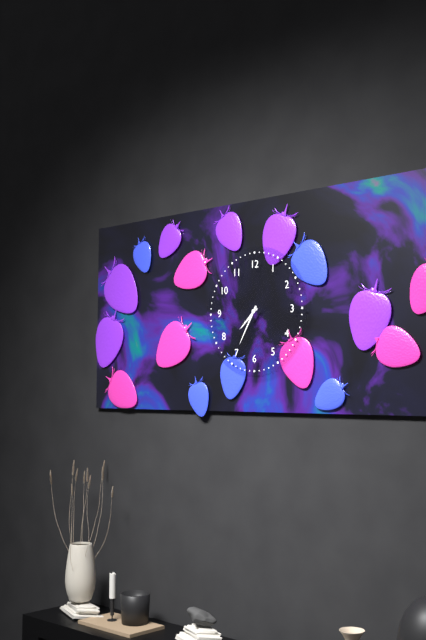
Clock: 7:35
